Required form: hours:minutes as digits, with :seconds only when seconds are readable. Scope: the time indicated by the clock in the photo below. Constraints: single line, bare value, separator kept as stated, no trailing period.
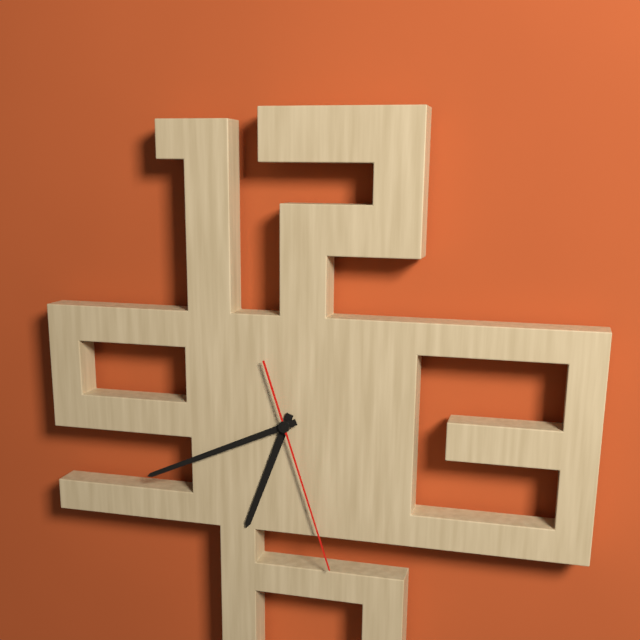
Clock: 6:41:27
